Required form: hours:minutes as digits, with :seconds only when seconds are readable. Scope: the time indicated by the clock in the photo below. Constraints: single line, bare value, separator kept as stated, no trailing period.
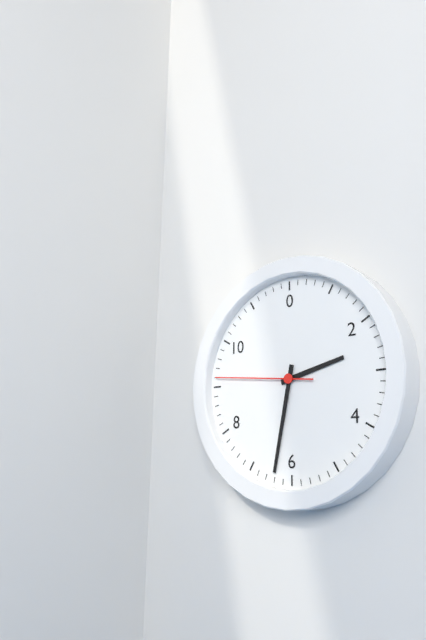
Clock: 2:32:46
